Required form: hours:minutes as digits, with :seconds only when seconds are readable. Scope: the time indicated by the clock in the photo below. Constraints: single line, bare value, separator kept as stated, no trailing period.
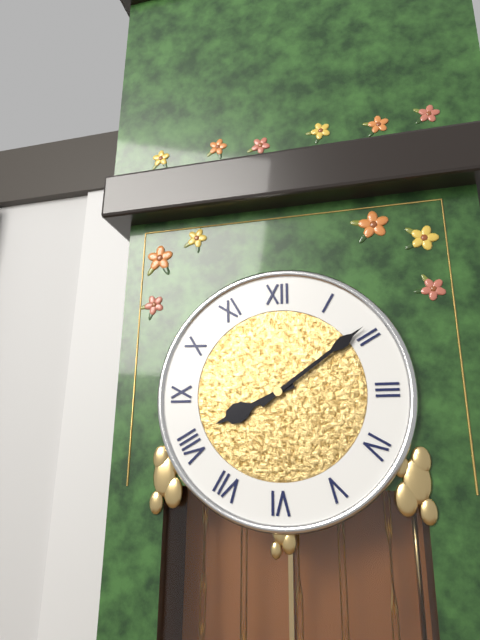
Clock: 8:09
